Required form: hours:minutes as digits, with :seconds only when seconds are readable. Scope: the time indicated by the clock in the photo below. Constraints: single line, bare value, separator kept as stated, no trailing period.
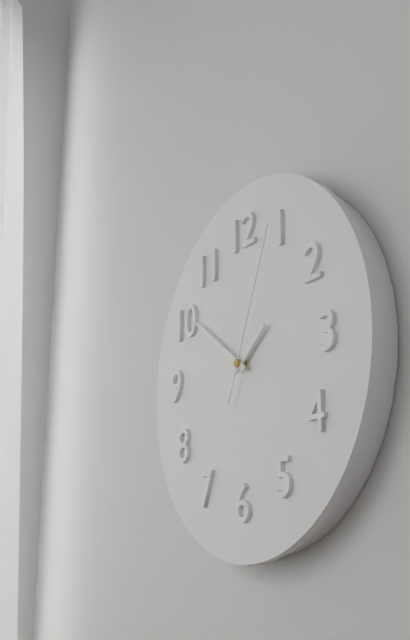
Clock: 1:51:04
